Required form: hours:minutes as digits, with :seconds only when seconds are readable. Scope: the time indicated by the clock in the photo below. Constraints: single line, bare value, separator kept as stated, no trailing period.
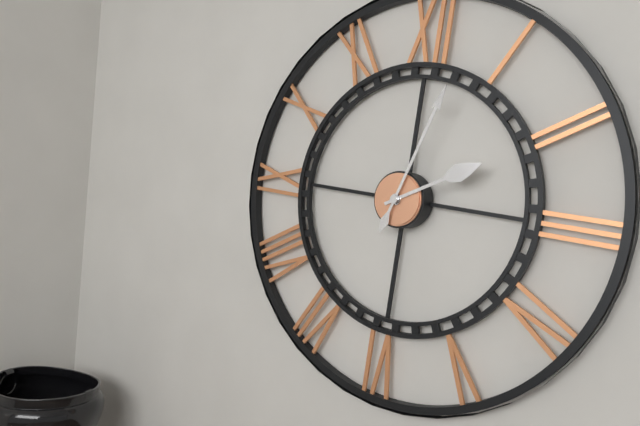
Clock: 2:03
